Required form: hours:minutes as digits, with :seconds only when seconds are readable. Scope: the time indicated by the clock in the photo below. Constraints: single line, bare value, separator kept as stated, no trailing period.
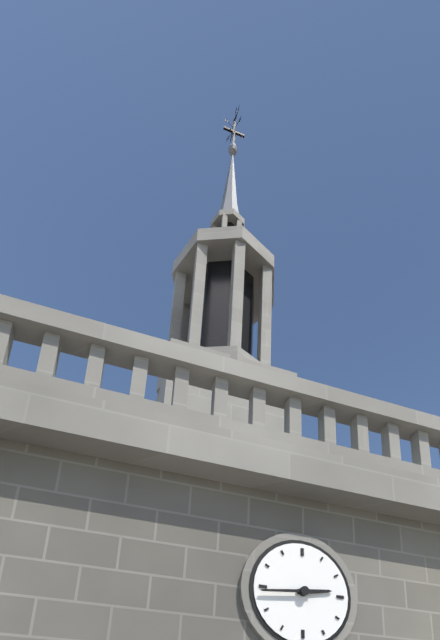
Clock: 2:44
